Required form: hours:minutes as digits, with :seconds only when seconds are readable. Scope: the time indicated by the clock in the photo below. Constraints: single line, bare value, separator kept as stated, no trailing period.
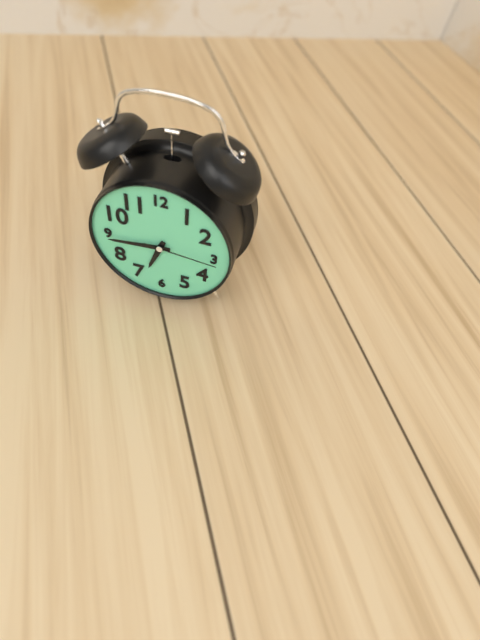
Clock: 6:44:16
